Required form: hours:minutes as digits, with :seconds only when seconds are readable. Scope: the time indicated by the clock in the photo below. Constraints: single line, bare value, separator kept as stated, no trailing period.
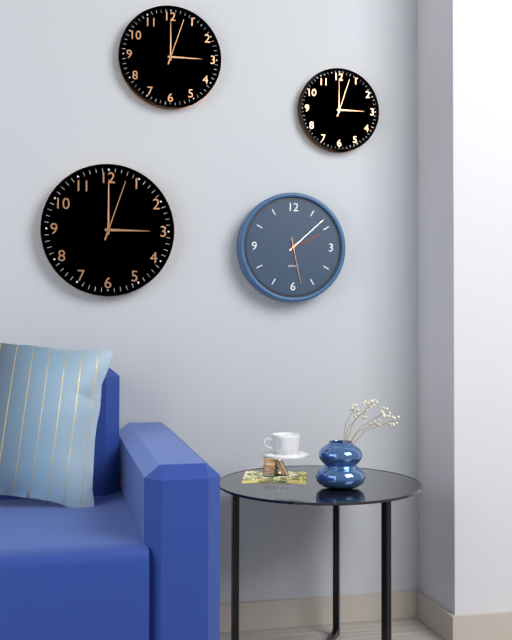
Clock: 2:08
